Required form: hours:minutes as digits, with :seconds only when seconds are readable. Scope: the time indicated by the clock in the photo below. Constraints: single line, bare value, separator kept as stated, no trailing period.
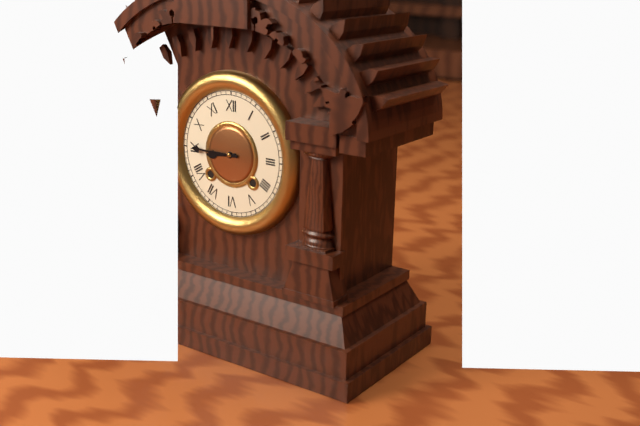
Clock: 8:45
